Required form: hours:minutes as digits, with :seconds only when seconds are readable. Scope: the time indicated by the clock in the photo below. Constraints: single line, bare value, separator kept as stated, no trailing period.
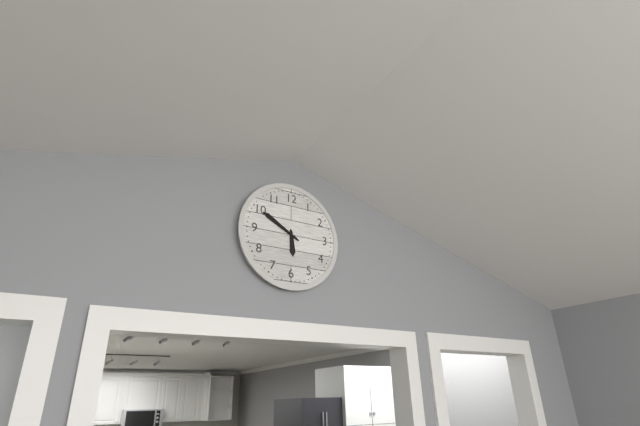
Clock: 5:50
